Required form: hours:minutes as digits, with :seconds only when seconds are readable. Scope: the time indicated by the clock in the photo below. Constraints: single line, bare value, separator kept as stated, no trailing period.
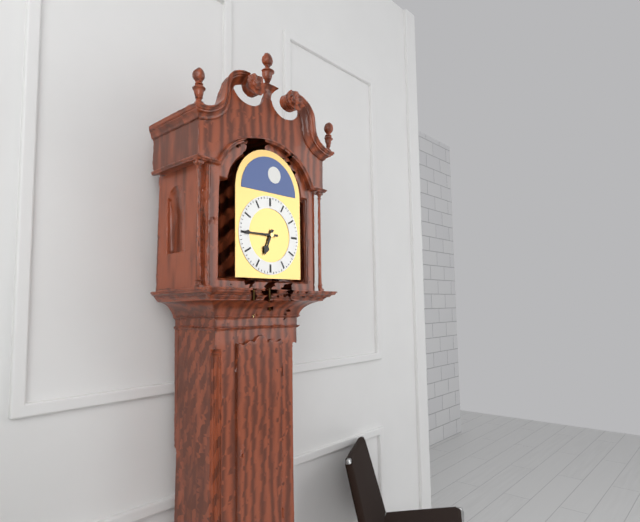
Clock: 6:45
